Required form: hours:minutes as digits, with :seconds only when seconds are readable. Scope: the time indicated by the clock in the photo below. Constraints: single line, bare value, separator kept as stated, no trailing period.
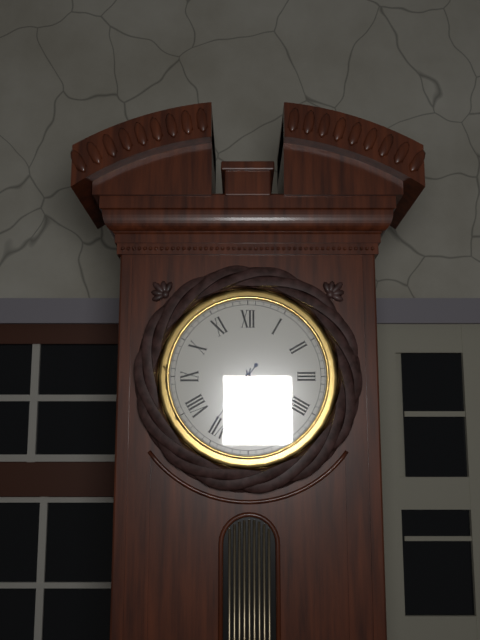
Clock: 5:33:36
